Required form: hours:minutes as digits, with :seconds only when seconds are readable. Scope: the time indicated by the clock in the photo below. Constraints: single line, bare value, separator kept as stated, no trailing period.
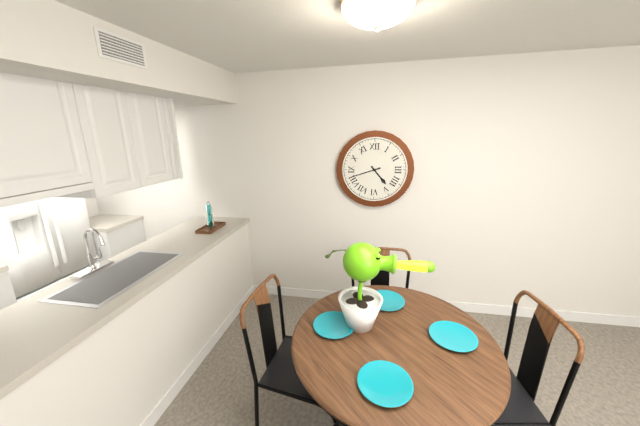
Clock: 4:42
